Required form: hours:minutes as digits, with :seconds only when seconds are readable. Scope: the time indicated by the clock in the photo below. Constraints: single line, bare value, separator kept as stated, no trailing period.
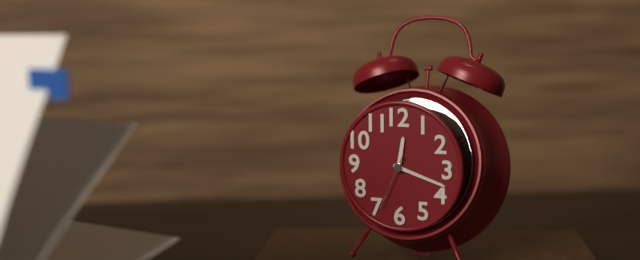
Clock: 12:18:34
